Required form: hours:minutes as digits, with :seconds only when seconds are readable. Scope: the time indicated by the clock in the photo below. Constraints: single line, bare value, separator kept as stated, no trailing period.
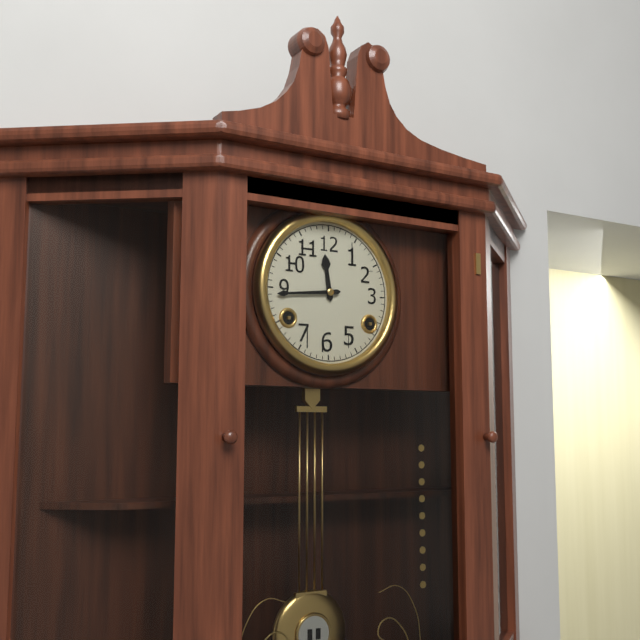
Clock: 11:44
